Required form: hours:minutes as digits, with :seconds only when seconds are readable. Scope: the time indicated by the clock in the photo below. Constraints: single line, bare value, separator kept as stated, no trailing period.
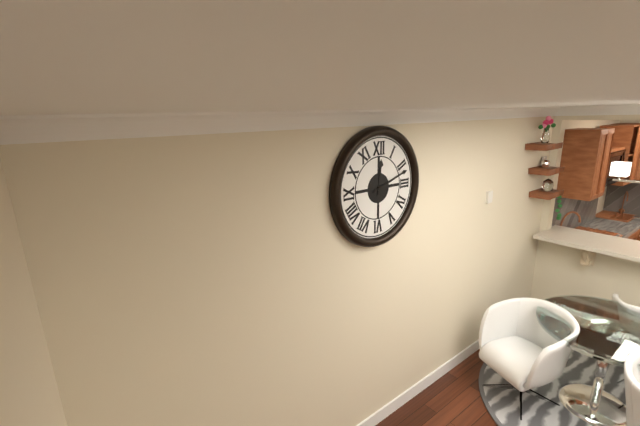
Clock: 12:12
